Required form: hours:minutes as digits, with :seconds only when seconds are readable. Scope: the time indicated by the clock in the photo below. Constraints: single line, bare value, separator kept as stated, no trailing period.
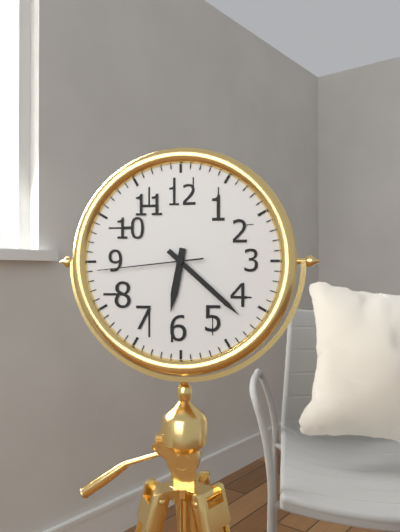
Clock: 6:22:44
